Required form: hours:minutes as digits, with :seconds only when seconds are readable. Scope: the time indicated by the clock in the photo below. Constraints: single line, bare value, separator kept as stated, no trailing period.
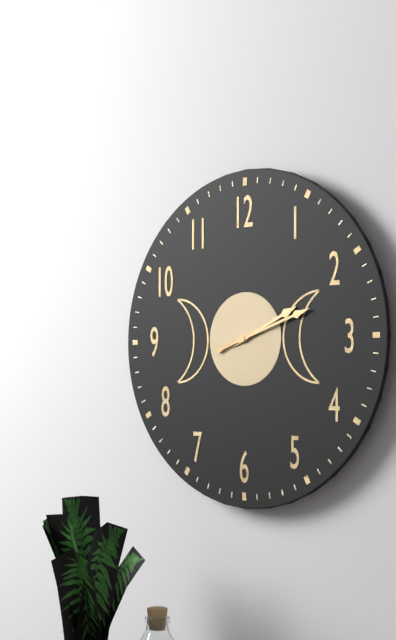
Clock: 2:12
